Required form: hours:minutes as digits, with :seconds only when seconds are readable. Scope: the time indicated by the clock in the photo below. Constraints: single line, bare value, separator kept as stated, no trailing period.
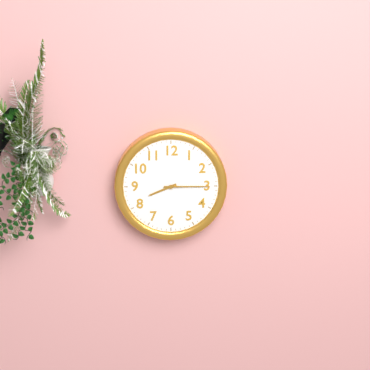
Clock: 8:15
